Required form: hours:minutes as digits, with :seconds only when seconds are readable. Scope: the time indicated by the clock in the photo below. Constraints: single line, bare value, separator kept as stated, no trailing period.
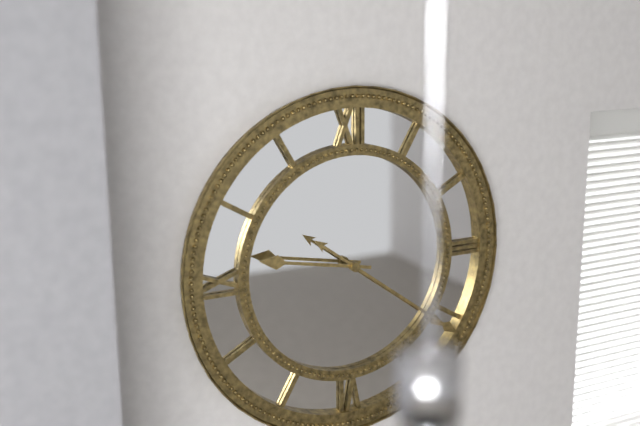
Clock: 9:21
